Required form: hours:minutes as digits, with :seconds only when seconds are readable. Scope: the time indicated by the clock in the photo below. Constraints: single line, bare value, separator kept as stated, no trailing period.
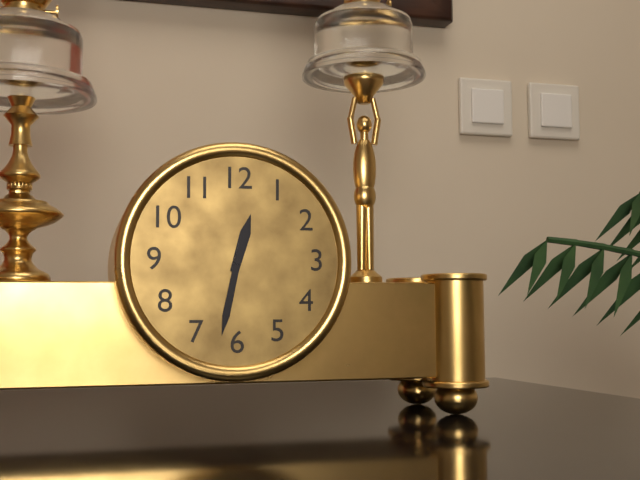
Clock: 12:32
